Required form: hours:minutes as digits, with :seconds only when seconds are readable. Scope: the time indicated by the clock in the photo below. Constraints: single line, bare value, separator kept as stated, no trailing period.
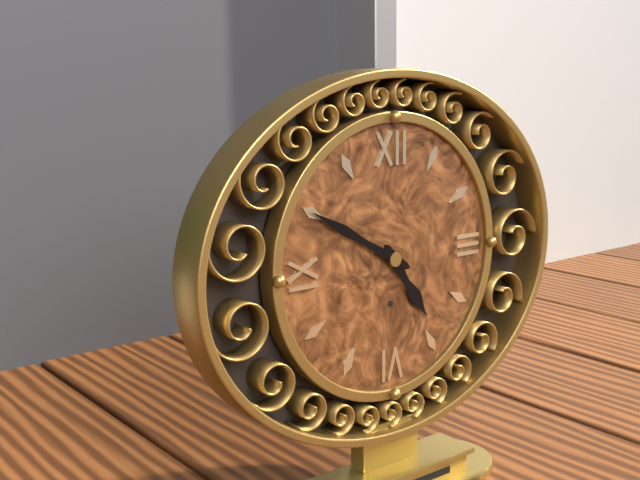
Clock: 4:50
